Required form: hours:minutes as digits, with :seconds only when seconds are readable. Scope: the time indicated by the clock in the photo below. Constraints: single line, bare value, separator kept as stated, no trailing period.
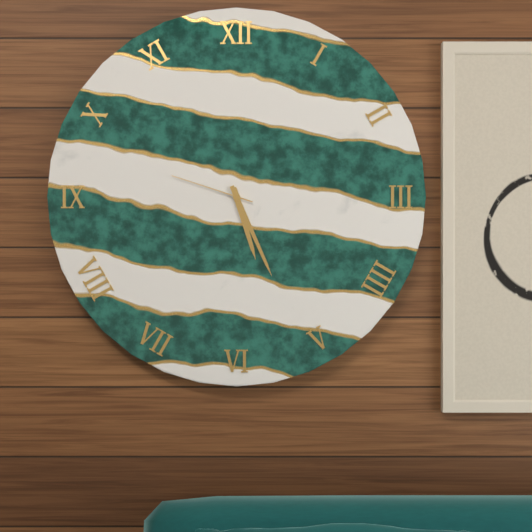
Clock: 5:26:48
